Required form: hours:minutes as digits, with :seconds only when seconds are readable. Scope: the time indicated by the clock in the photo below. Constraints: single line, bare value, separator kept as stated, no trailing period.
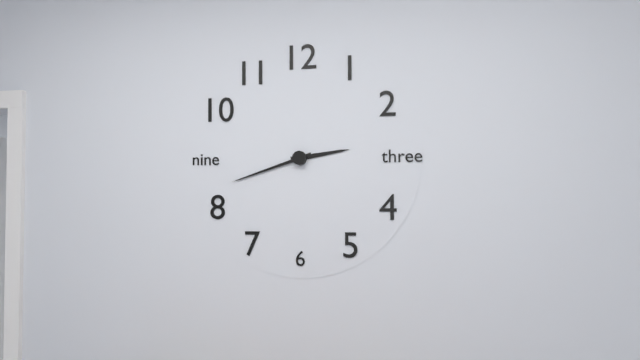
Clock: 2:42
